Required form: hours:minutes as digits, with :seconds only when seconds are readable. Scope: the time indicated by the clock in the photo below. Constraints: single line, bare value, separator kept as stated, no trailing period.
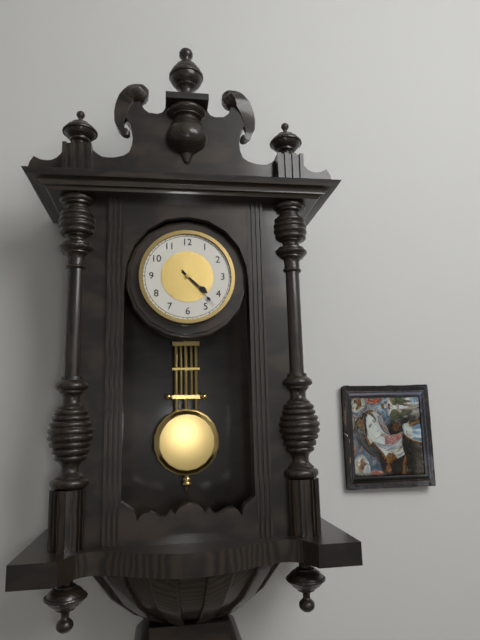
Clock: 4:23
